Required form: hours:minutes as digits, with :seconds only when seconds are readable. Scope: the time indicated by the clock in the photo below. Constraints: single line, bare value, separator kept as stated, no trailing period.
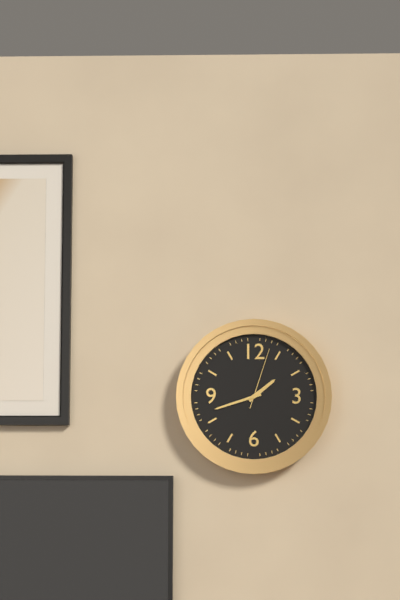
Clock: 1:42:03
